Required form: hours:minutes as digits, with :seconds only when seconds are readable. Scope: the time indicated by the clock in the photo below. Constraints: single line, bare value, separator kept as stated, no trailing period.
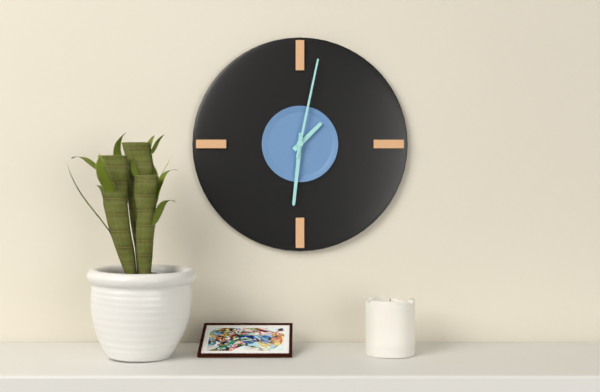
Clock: 1:31:02
